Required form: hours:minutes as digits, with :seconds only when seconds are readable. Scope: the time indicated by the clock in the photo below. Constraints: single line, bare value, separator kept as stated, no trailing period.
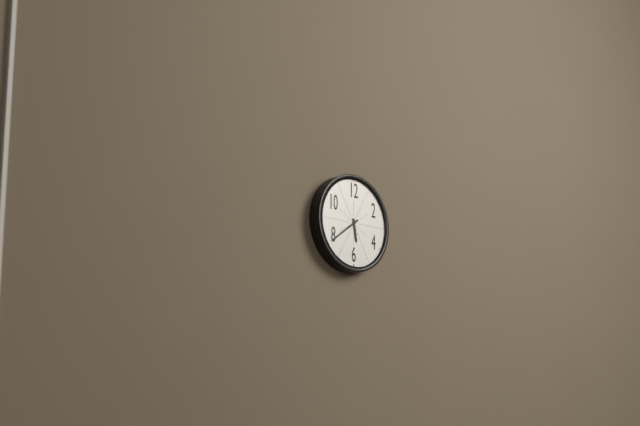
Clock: 5:39
